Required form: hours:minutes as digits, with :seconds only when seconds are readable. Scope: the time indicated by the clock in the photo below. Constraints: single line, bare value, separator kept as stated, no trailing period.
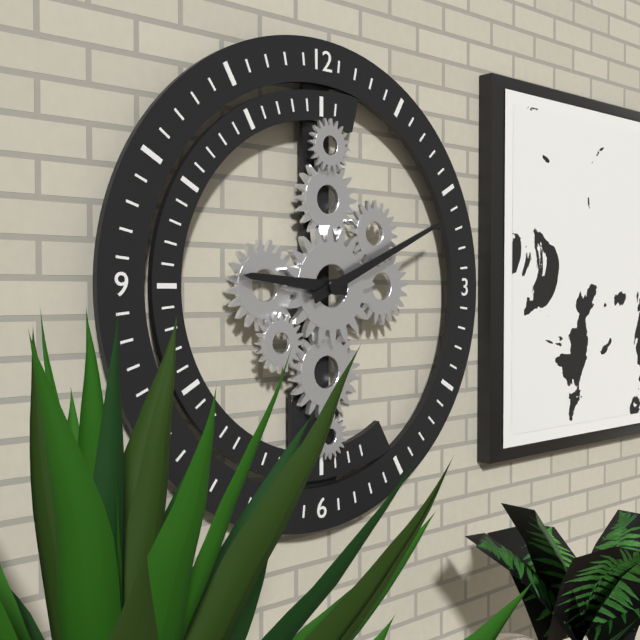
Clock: 9:11
